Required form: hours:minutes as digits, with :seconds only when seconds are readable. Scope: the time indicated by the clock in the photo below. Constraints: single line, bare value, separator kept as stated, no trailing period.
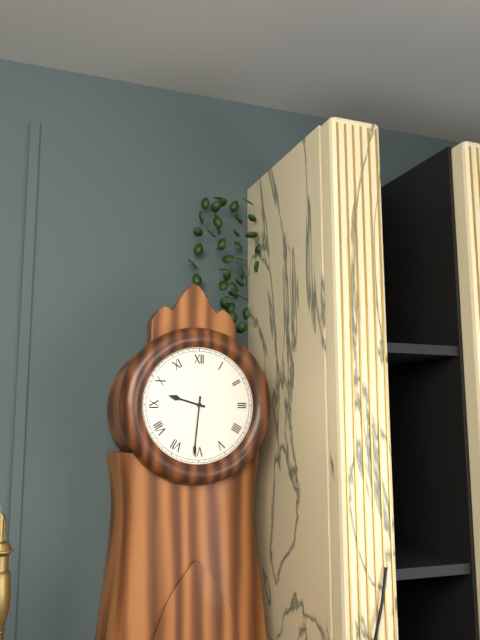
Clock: 9:31
